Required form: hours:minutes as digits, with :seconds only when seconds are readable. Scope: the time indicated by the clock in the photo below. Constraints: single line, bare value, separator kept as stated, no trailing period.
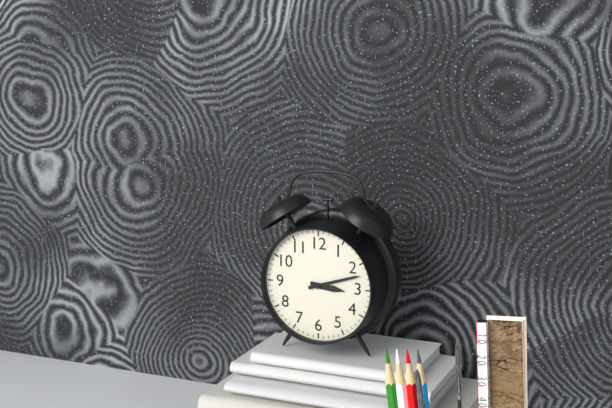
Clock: 3:12
